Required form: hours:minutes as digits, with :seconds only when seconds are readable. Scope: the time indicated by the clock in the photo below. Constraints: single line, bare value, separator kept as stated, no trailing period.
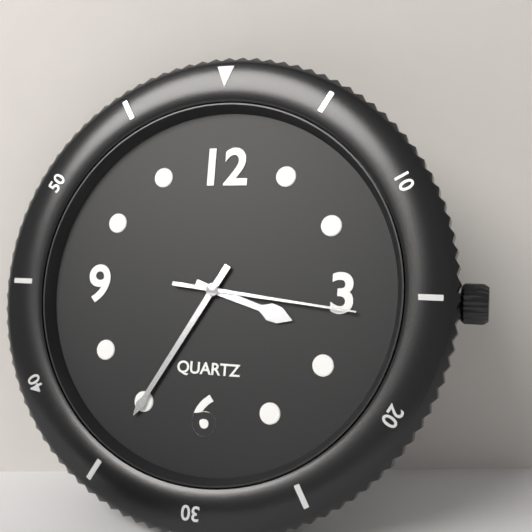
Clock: 3:35:16
